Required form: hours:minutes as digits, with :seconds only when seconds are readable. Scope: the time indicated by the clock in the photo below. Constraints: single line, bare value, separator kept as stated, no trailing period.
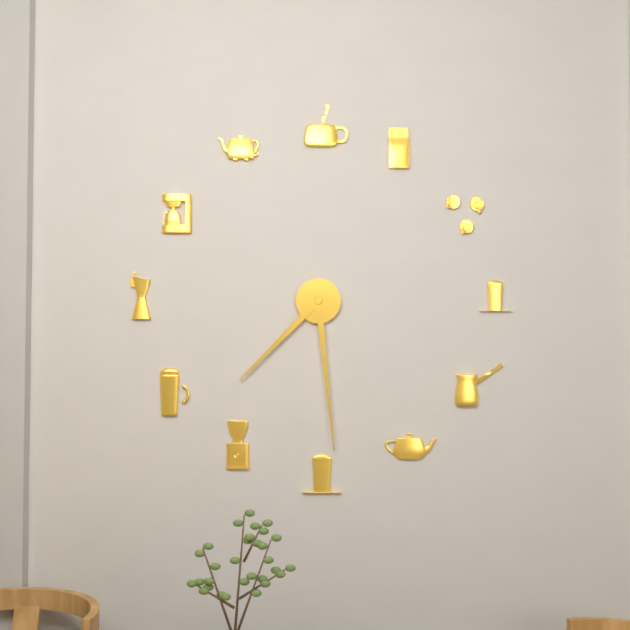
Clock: 7:29
